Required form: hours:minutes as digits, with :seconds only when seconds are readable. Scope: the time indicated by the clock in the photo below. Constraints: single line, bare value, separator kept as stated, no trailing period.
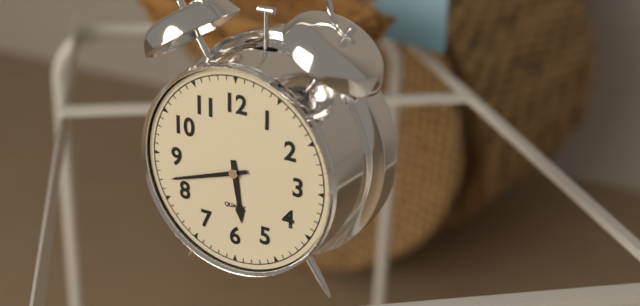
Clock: 5:42
